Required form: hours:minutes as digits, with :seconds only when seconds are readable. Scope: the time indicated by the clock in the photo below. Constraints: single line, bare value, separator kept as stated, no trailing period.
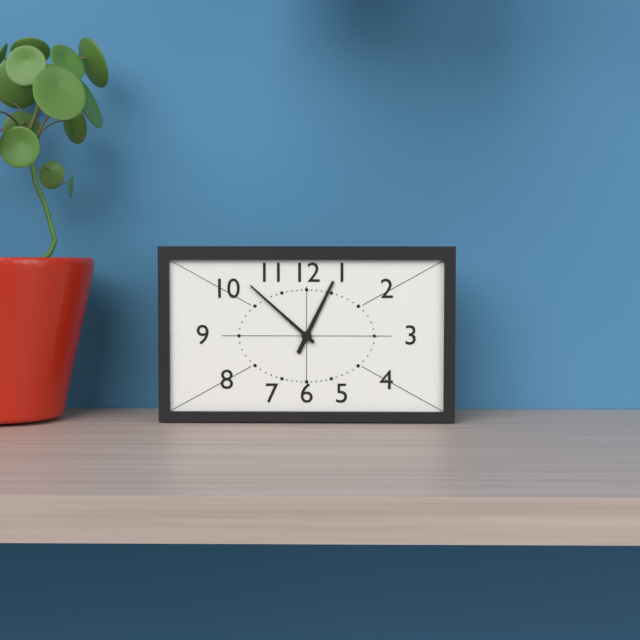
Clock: 12:52
